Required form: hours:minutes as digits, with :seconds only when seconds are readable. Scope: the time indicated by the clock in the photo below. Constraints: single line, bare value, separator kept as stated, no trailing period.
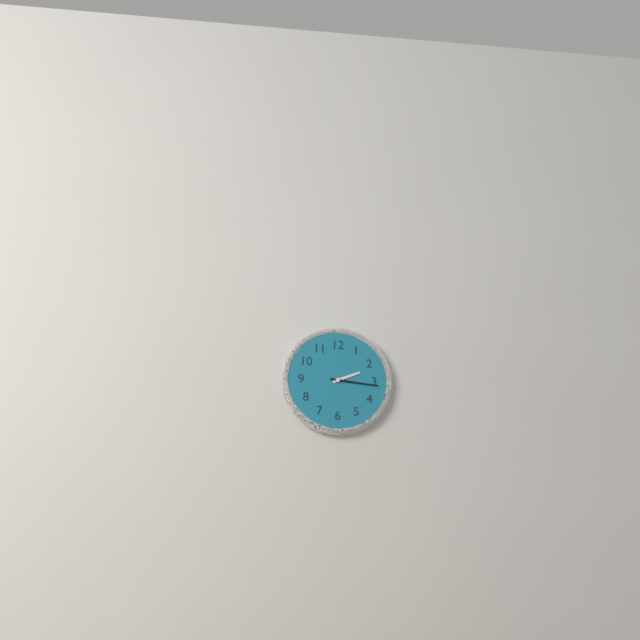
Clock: 2:16
